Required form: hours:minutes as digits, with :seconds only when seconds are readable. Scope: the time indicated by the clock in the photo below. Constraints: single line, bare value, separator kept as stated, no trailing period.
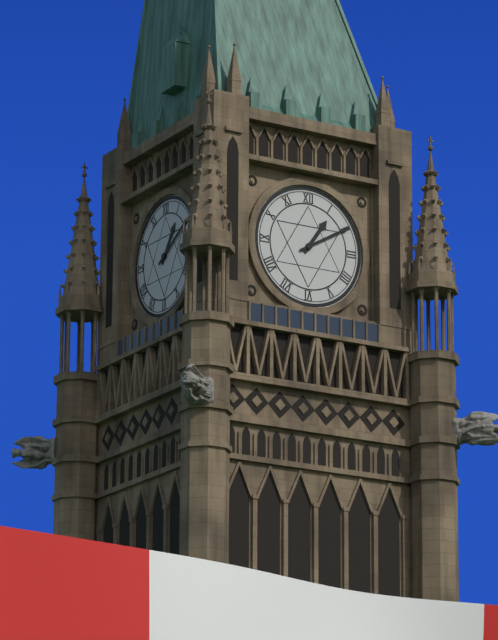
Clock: 1:10
